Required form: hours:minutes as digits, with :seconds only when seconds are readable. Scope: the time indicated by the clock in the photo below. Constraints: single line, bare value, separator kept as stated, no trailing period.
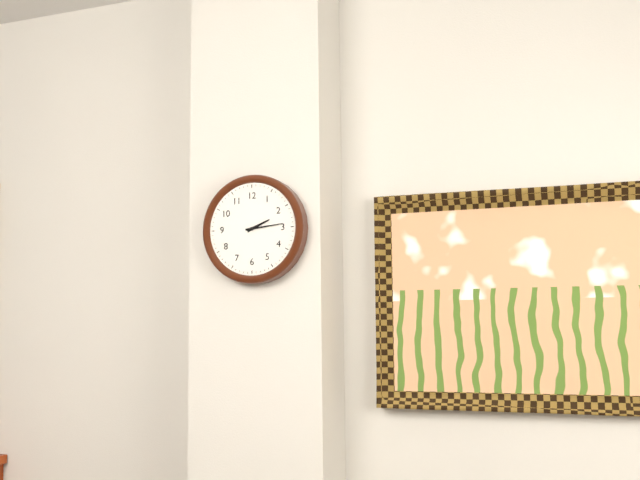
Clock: 2:14
